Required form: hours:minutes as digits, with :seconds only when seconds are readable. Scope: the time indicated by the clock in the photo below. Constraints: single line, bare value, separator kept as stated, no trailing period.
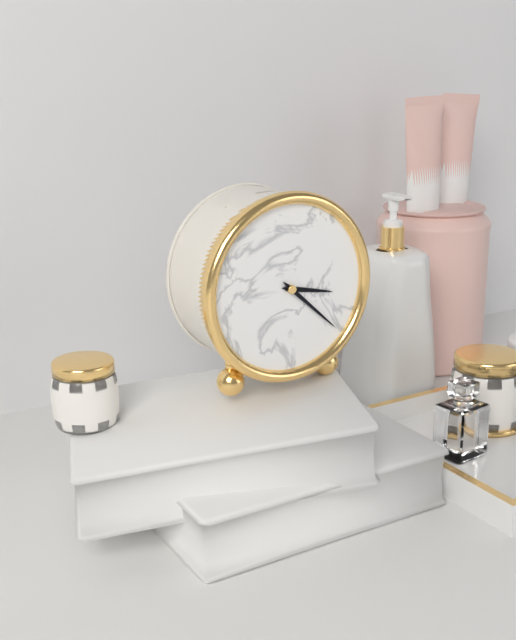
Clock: 3:22
